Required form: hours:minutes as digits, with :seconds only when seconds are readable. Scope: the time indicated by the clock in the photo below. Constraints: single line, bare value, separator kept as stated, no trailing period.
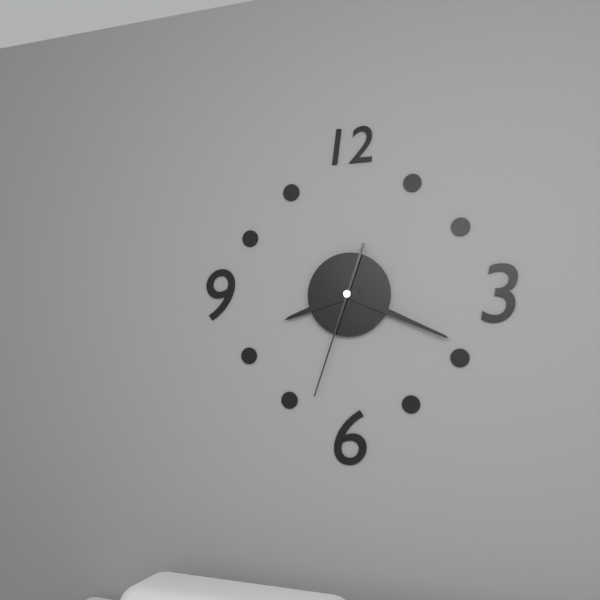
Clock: 8:19:33
